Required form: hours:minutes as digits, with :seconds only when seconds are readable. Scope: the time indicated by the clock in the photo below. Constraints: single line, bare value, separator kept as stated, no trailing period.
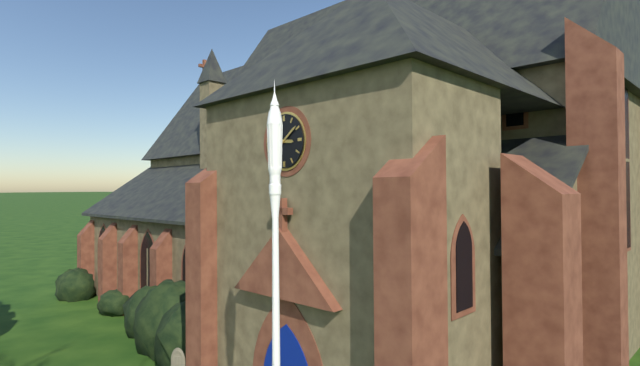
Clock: 3:09
